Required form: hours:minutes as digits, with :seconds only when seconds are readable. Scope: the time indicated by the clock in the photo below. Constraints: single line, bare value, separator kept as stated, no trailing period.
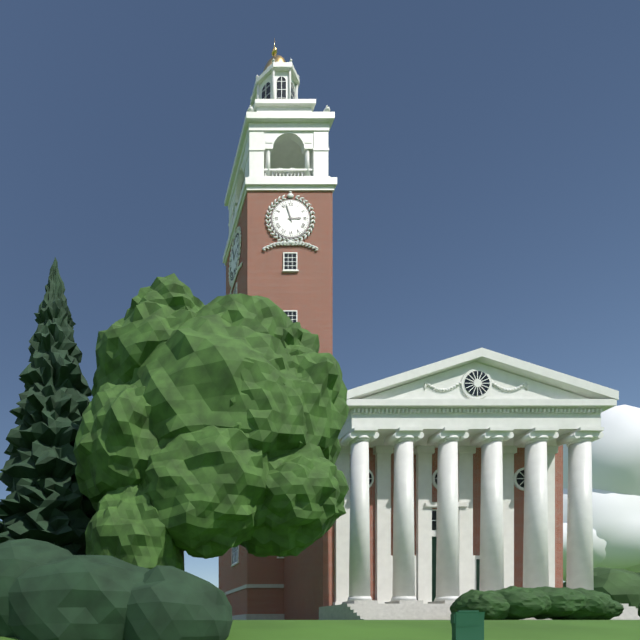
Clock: 2:57
